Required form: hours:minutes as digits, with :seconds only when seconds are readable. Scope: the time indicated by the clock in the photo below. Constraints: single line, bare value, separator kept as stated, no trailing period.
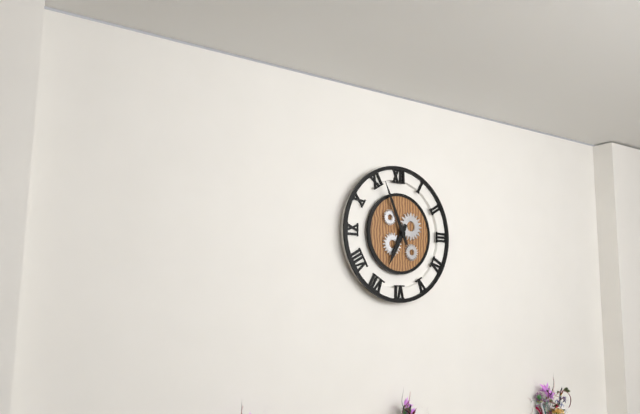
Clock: 6:56
